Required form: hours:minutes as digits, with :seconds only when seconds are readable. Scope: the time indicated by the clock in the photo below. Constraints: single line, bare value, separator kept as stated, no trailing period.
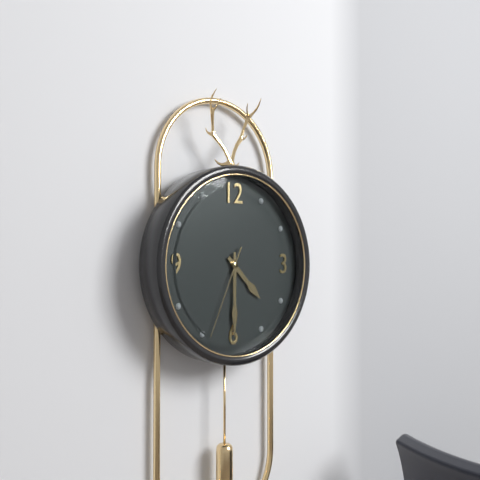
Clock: 4:30:34
